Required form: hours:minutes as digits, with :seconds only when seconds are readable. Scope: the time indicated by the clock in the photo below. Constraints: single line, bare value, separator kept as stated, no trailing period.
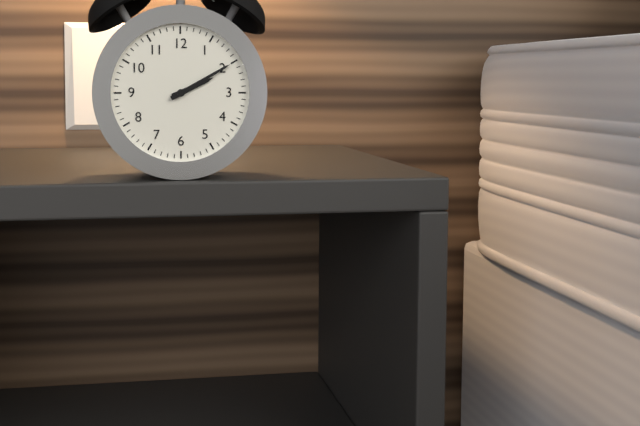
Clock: 2:10
